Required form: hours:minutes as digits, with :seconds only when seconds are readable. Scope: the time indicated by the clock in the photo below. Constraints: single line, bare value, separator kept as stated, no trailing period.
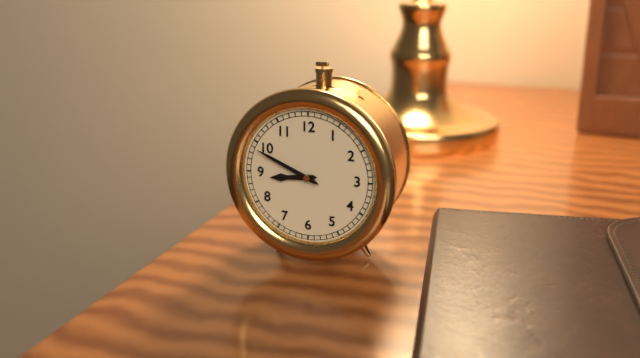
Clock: 8:49
